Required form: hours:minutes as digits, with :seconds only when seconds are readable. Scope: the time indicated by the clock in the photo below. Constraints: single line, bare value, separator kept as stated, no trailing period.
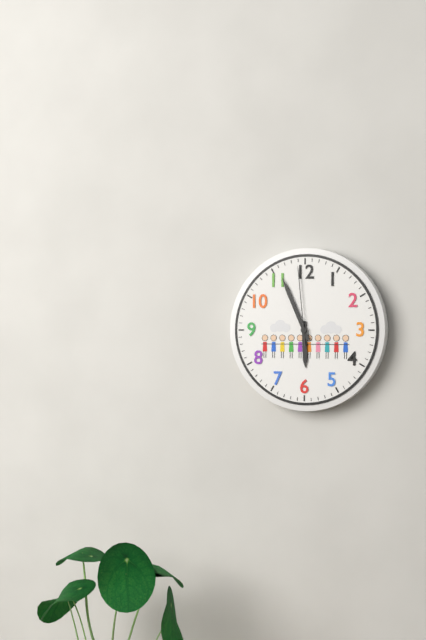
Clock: 5:56:59
